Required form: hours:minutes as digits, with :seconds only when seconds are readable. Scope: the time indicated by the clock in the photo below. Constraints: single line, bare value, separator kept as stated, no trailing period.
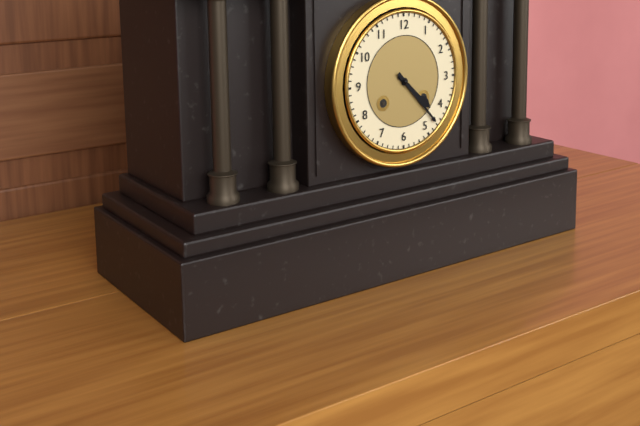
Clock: 4:23
